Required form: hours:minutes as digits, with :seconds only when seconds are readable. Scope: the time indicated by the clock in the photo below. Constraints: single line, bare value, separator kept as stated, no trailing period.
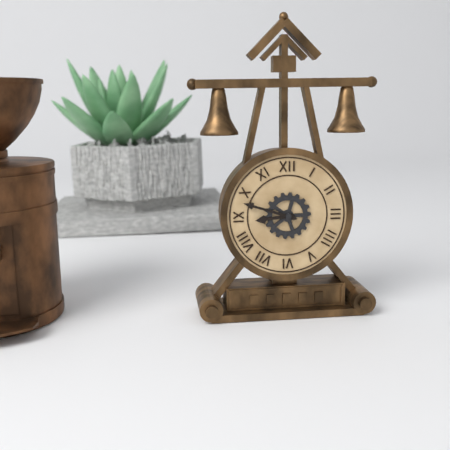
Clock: 8:48
